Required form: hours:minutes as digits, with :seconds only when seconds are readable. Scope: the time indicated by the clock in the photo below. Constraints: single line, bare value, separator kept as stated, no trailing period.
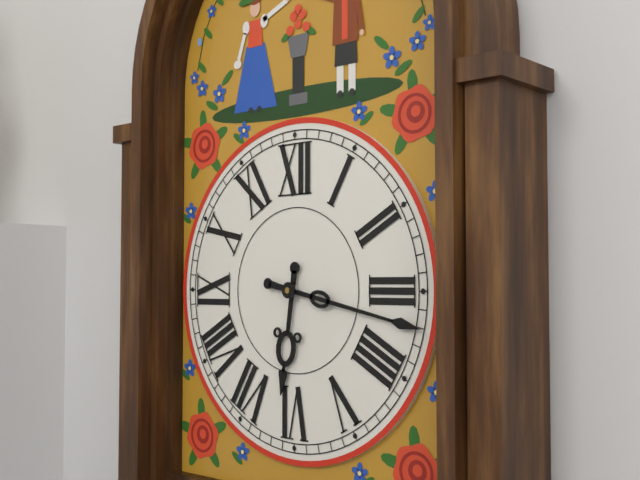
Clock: 6:17
